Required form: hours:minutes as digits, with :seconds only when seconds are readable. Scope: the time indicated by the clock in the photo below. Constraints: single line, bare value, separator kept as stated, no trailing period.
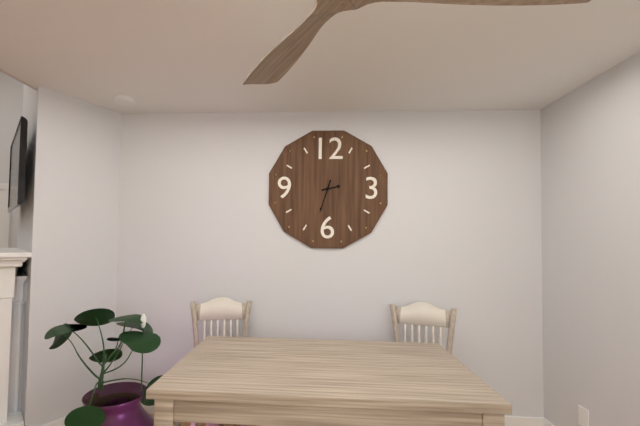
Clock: 2:33
